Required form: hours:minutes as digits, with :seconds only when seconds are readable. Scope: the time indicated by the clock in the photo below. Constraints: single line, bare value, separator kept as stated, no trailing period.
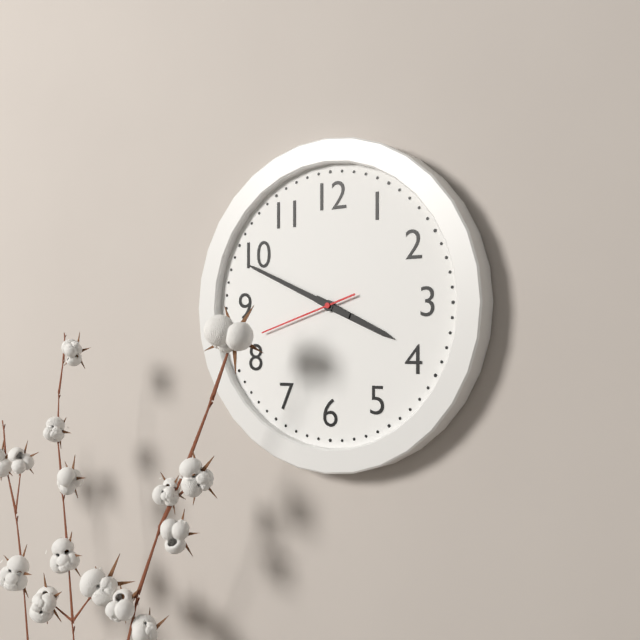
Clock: 3:49:42
